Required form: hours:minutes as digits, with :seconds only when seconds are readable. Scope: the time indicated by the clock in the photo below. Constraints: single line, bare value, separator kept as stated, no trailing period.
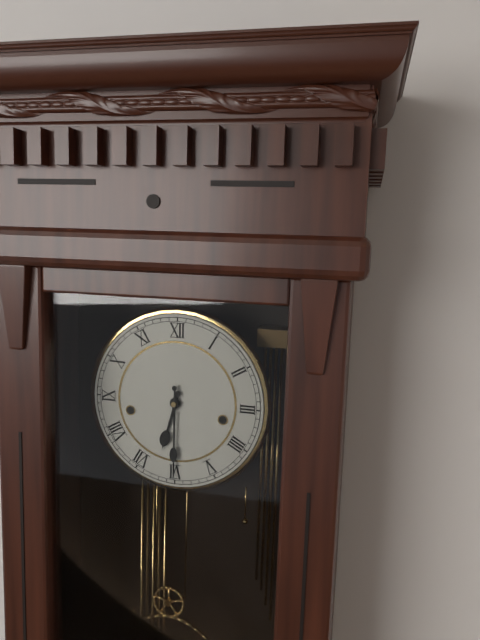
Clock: 6:30
